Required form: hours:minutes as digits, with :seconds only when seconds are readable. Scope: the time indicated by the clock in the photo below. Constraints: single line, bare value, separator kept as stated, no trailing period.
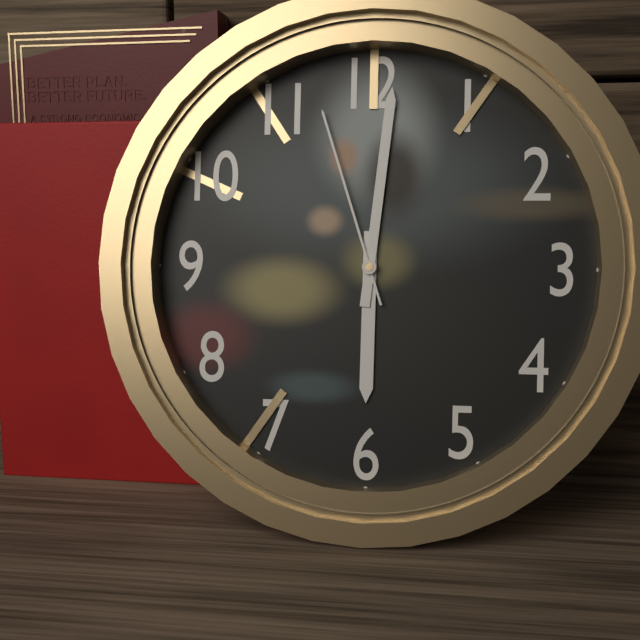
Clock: 6:01:57
